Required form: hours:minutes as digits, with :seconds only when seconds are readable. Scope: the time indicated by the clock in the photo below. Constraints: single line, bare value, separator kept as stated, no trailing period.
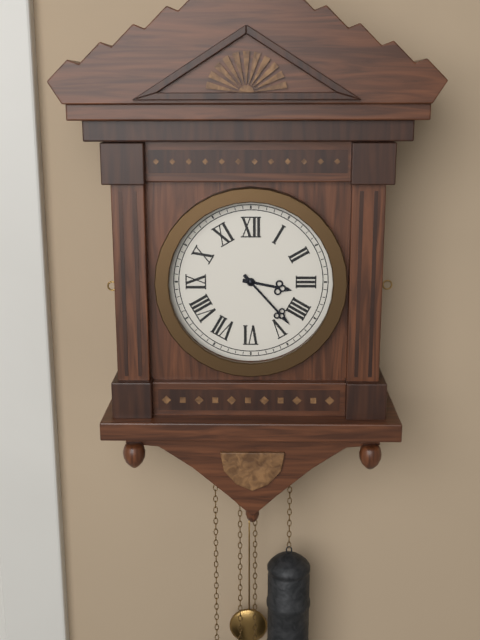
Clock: 3:23
